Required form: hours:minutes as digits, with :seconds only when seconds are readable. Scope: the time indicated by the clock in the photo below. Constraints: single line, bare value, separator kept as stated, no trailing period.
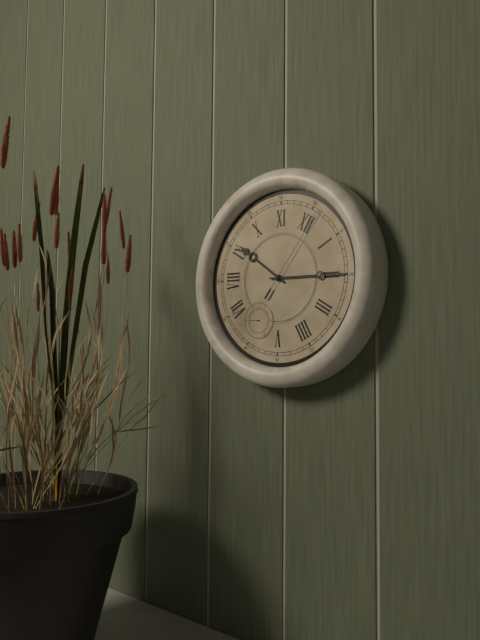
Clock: 9:10:01
